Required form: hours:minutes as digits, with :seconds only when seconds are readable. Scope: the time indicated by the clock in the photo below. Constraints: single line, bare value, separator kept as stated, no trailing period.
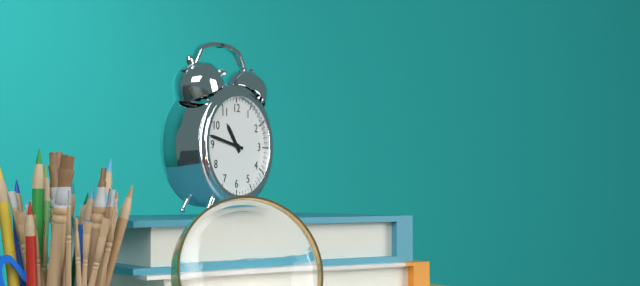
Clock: 10:47
